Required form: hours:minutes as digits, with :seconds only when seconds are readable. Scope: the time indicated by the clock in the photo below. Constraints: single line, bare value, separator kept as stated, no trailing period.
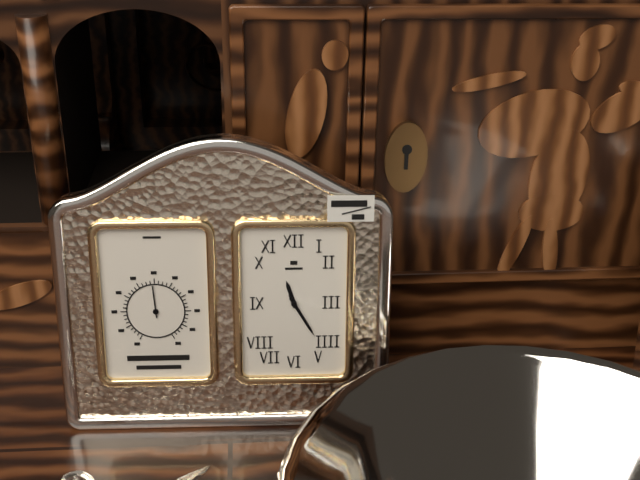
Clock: 11:25:25
